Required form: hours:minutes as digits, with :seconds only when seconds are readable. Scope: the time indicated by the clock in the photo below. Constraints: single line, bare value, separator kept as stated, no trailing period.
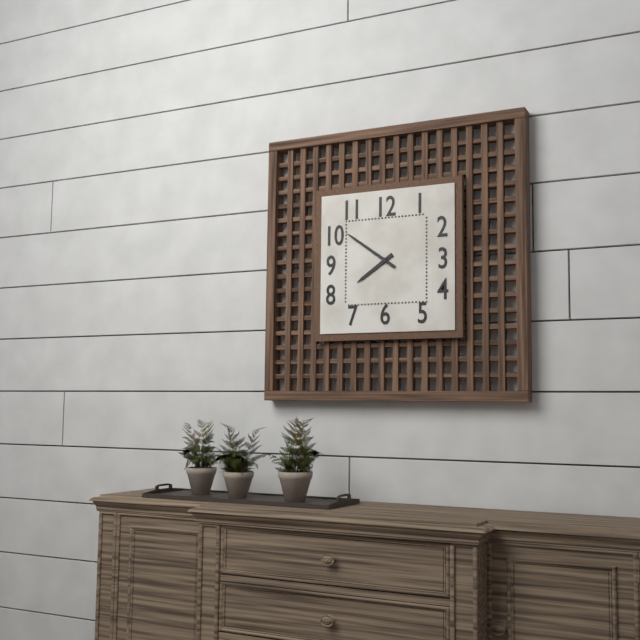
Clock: 7:51
